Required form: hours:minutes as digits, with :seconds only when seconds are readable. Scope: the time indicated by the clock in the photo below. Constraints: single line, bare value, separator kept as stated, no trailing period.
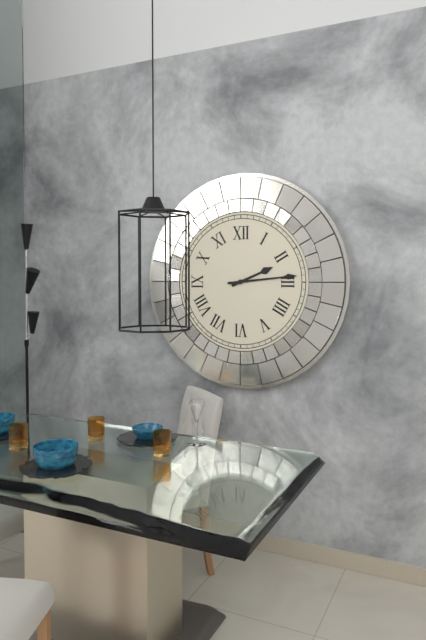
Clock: 2:14
